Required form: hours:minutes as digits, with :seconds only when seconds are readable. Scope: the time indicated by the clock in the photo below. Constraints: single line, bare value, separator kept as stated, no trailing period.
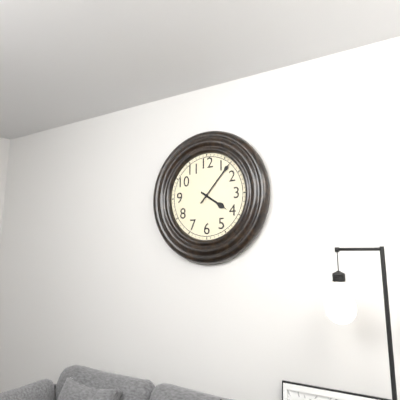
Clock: 4:07
